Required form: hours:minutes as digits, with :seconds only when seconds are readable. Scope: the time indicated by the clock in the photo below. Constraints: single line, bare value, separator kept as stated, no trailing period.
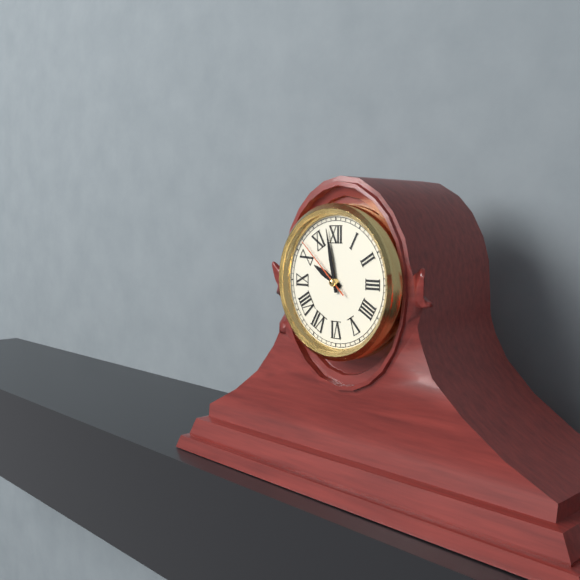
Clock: 9:58:52
